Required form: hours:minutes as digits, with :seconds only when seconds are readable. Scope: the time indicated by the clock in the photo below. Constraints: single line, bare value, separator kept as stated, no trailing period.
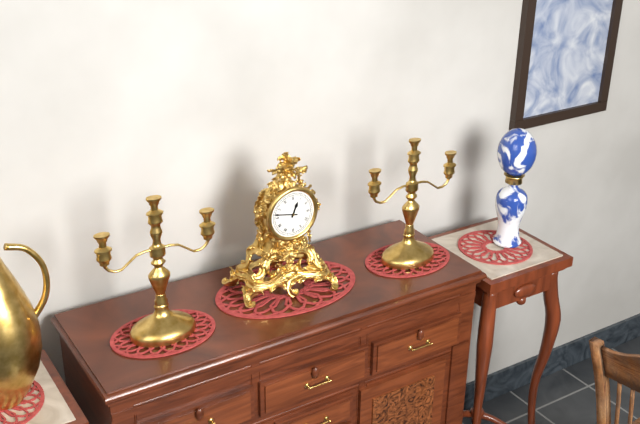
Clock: 12:47
